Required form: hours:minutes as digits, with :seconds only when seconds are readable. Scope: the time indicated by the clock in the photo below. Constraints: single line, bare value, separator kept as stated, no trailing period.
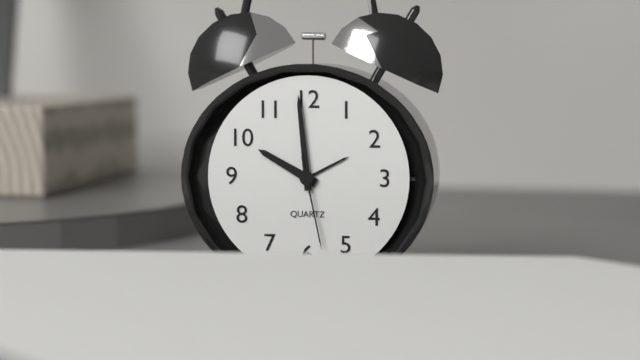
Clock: 9:59:28
